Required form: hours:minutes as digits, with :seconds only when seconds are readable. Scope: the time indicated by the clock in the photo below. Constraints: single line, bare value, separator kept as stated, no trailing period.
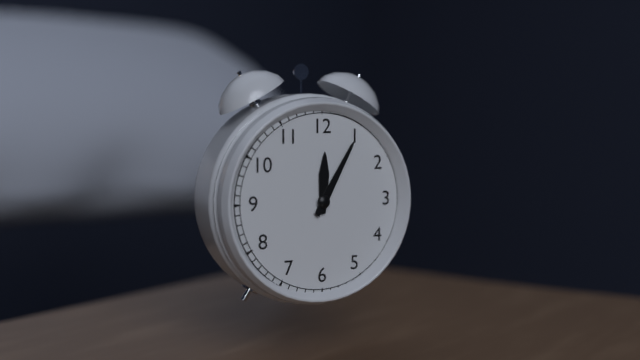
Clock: 12:05
